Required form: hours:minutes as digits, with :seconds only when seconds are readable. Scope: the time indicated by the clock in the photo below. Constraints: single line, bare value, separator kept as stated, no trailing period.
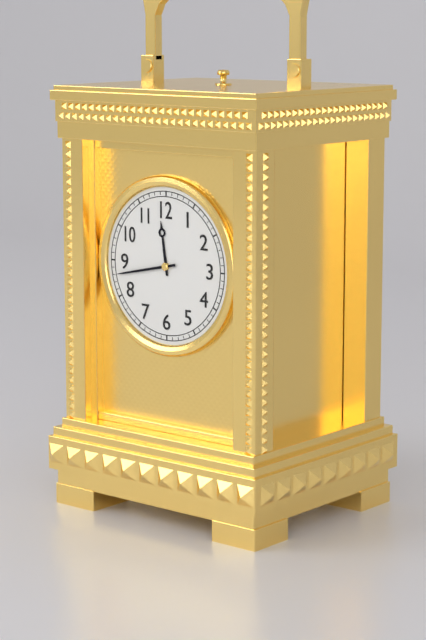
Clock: 11:43
